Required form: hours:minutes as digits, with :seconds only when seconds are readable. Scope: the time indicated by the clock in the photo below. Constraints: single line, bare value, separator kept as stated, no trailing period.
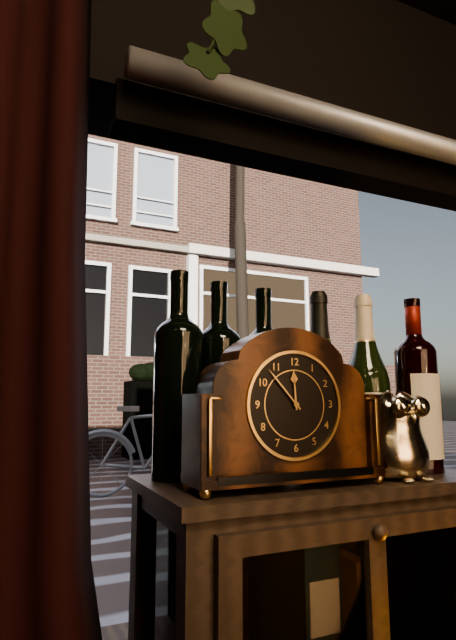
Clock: 11:53
